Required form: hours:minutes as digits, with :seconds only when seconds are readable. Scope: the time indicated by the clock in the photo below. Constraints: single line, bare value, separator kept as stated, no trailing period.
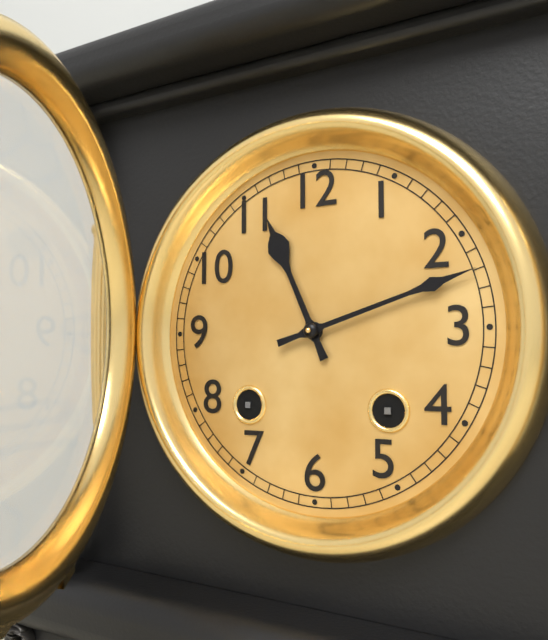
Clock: 11:12
